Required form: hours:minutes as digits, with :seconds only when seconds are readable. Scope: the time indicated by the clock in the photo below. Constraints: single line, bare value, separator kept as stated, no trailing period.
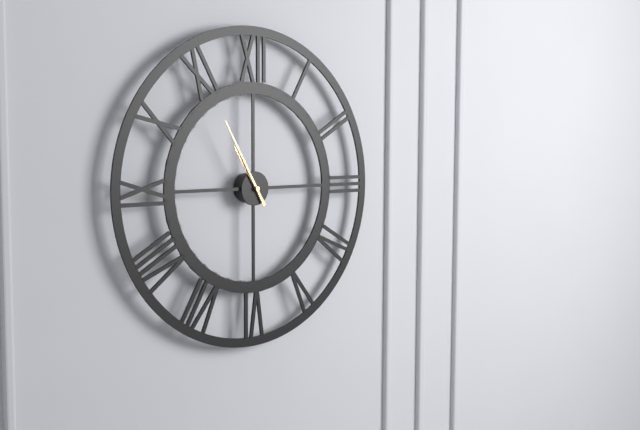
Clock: 10:55
